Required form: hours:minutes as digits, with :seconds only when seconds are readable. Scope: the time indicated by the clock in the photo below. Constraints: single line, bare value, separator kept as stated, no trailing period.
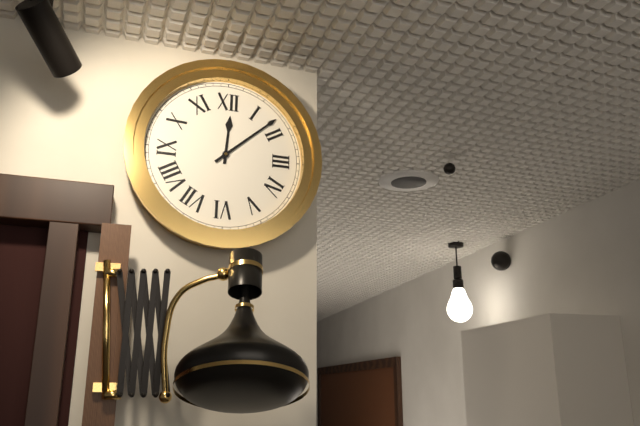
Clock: 12:08
